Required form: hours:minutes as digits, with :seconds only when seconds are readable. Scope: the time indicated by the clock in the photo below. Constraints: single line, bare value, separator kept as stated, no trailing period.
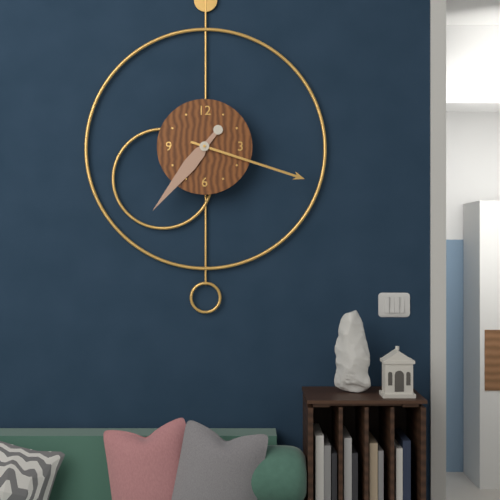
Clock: 7:18
